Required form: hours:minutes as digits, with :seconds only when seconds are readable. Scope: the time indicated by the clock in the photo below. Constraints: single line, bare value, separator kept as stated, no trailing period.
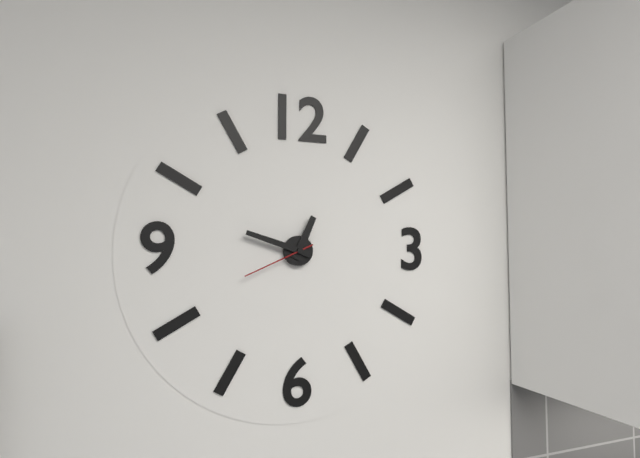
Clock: 12:48:41
